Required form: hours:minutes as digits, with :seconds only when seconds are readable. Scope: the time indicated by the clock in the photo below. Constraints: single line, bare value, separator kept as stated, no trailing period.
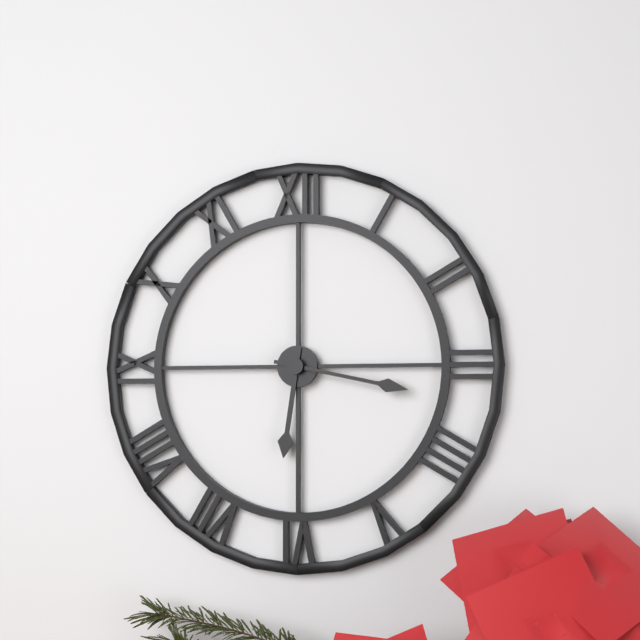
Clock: 6:17
